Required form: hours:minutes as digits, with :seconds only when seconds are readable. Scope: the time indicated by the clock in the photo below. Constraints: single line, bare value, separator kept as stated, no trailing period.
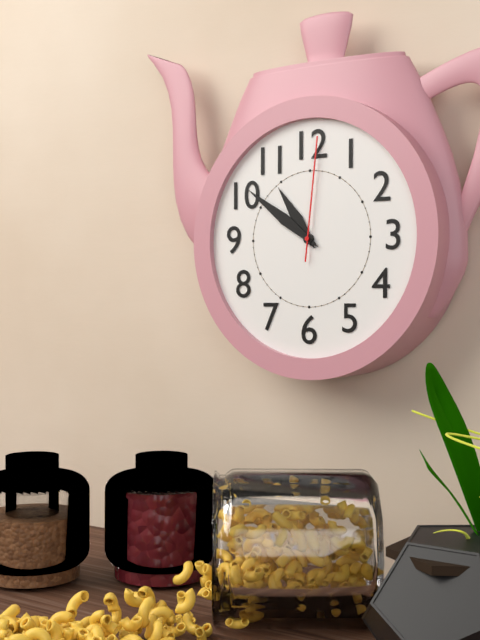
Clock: 10:51:01
